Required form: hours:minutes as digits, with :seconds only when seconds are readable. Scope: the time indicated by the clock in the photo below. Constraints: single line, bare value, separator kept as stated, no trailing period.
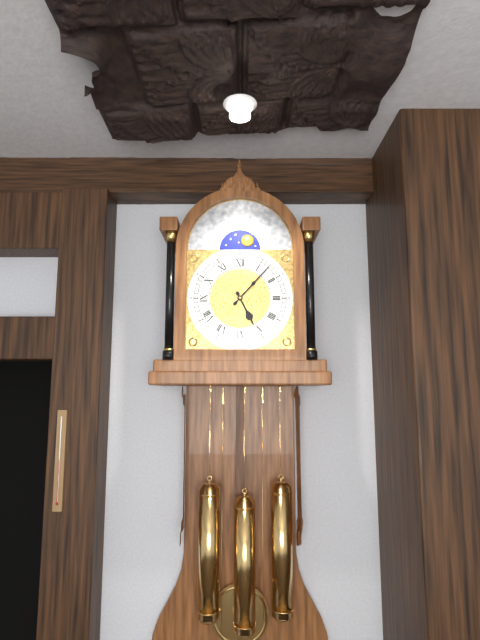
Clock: 5:07
